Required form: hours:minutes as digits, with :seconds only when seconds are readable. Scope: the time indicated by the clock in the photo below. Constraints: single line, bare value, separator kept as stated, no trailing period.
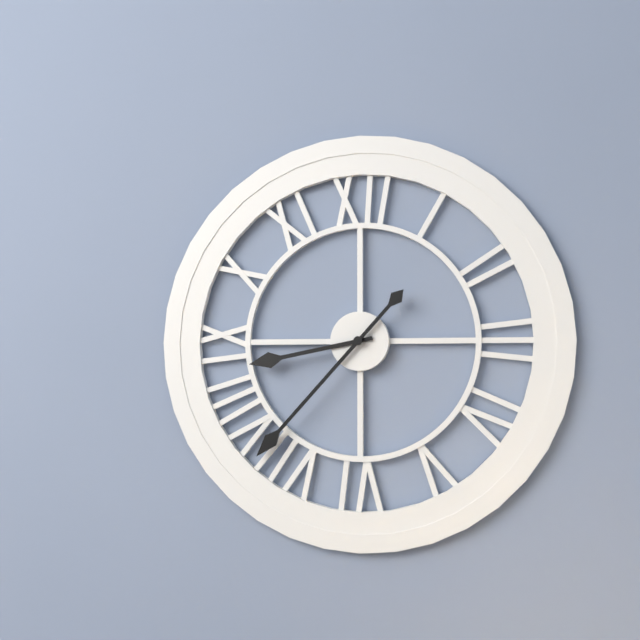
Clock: 8:37
